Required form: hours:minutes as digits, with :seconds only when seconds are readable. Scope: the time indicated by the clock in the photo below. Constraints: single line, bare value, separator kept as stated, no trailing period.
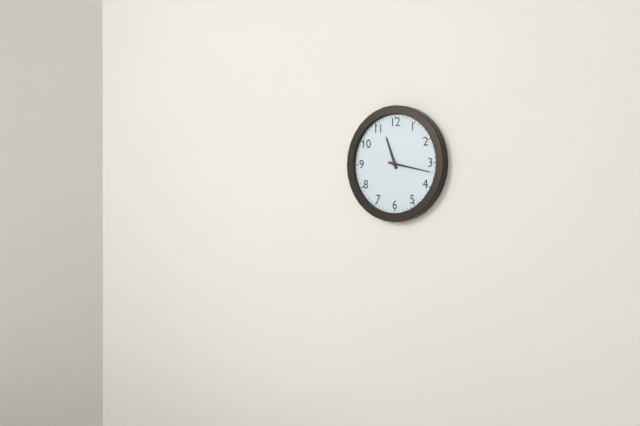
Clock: 11:17
